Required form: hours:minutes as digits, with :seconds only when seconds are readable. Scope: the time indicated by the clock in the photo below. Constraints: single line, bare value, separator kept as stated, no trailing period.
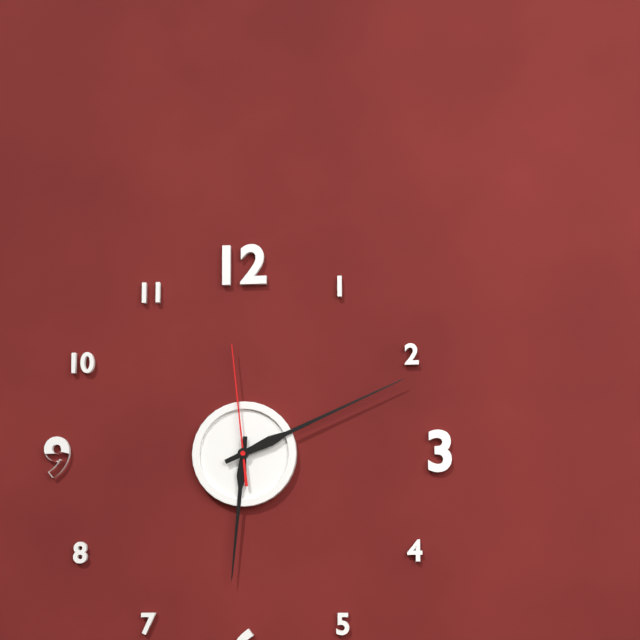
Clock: 6:11:59
